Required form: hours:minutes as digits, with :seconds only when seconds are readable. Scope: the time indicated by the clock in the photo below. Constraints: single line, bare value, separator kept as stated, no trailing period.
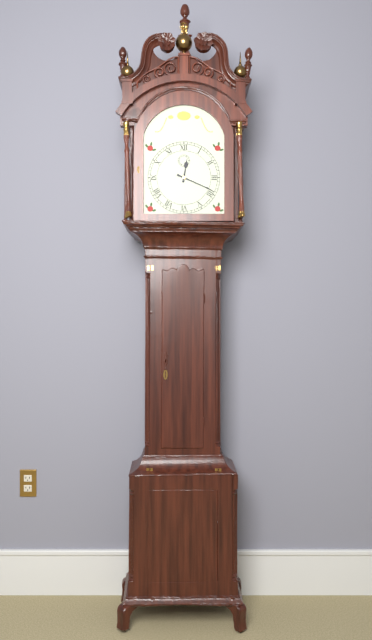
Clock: 12:19
